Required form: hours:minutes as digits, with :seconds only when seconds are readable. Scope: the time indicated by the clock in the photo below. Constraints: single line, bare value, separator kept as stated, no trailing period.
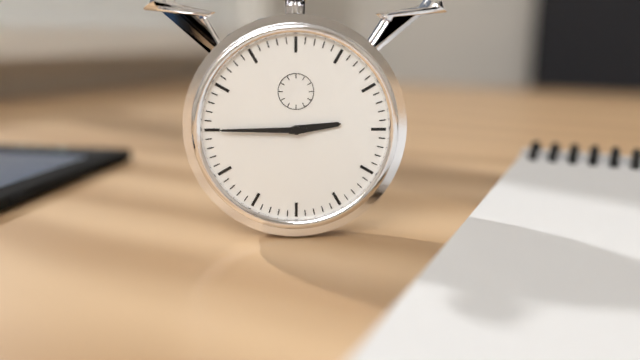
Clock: 2:45
